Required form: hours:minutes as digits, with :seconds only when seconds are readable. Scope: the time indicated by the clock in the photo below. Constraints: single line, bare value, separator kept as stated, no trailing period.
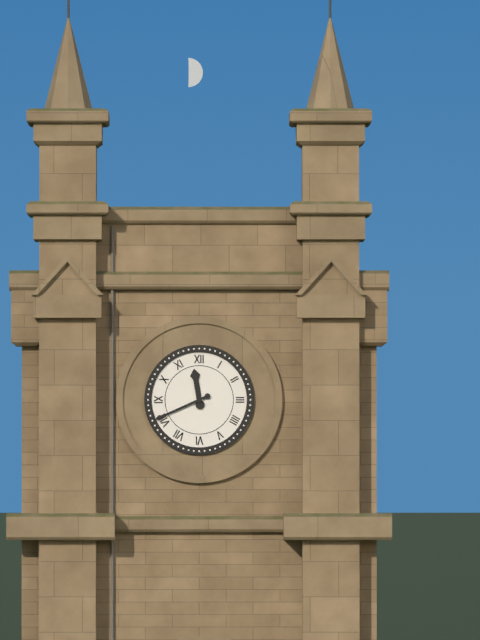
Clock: 11:41
